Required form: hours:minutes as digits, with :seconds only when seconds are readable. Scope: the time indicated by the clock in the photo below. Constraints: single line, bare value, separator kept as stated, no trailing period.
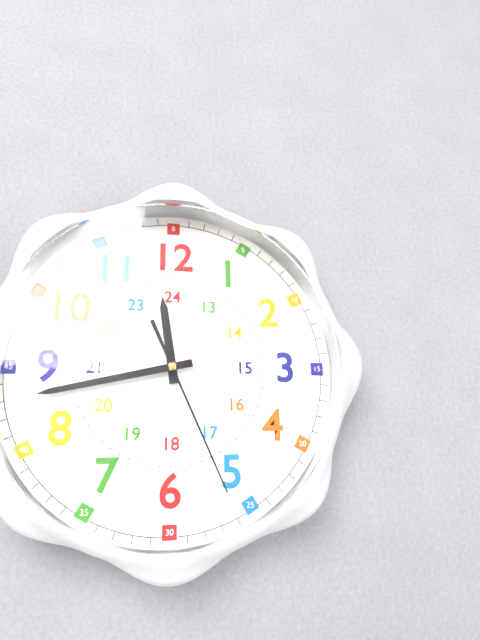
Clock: 11:43:26
